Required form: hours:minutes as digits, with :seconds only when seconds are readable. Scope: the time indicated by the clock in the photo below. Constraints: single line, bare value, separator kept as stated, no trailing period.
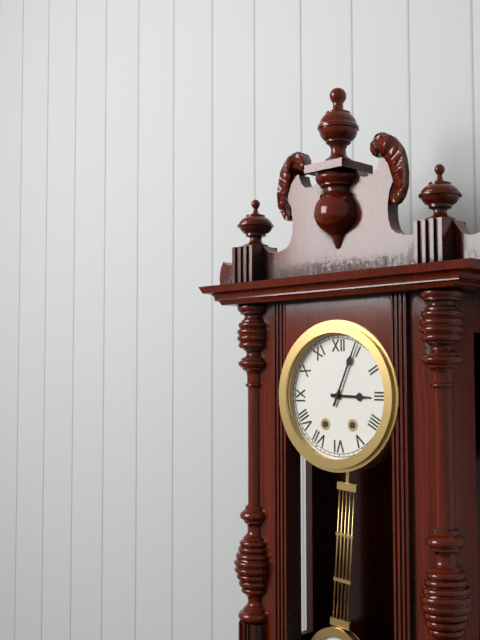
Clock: 3:04
